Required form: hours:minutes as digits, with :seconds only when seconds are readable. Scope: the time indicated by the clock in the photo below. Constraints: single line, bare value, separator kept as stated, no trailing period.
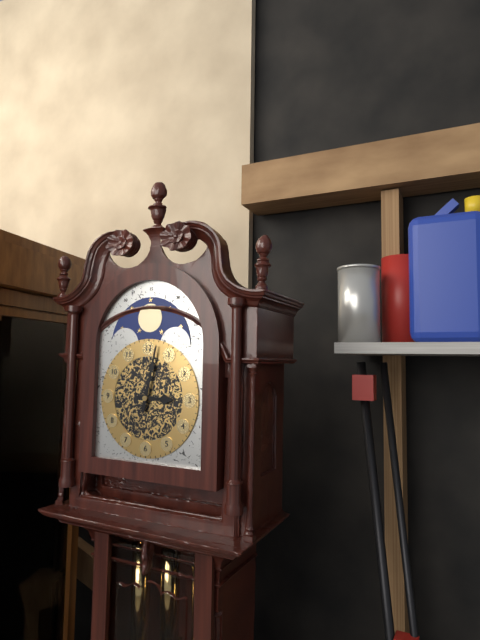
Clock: 3:02
